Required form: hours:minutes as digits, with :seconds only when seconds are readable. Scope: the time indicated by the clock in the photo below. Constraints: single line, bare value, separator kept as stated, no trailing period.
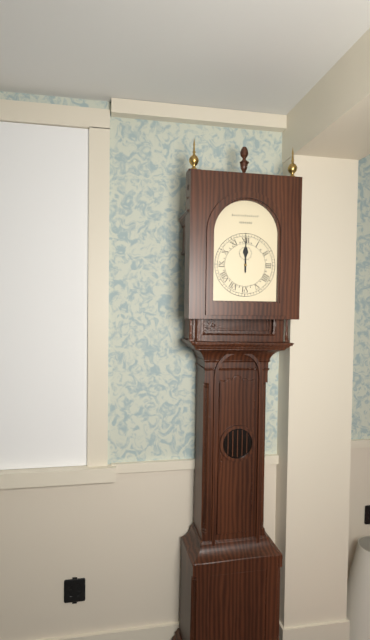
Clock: 12:00
